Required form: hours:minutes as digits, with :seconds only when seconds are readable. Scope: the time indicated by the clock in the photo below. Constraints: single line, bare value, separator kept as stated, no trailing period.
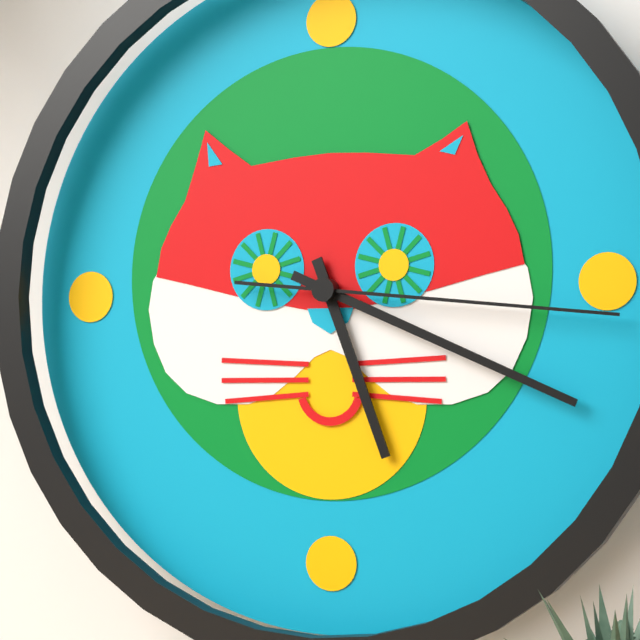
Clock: 5:19:16
